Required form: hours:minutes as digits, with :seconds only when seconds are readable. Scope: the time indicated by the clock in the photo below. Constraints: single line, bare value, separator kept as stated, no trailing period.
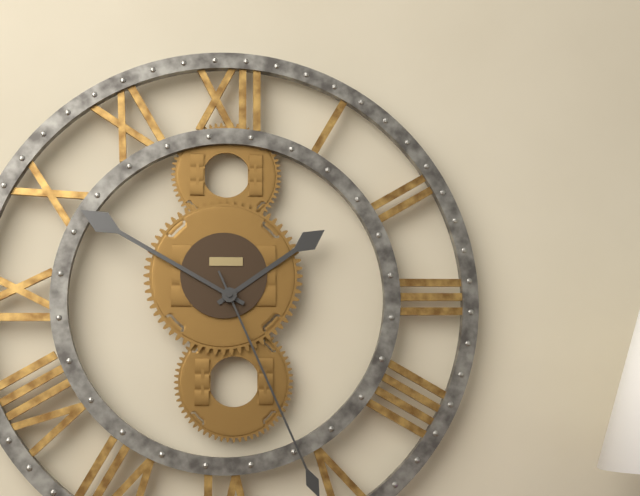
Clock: 1:50
